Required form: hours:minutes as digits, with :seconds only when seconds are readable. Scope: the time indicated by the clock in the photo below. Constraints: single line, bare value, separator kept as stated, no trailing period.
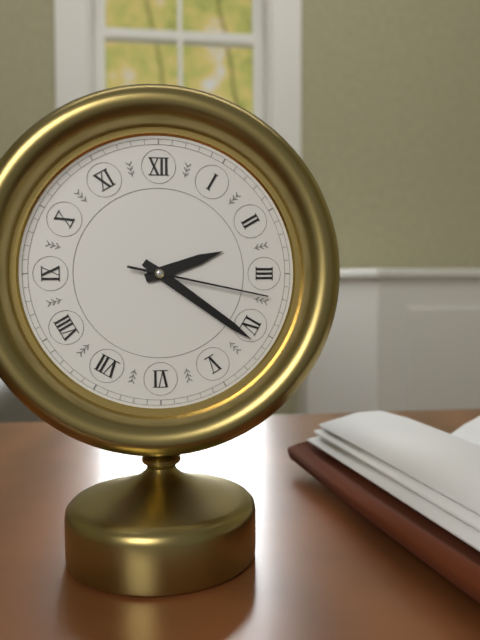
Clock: 2:21:17
